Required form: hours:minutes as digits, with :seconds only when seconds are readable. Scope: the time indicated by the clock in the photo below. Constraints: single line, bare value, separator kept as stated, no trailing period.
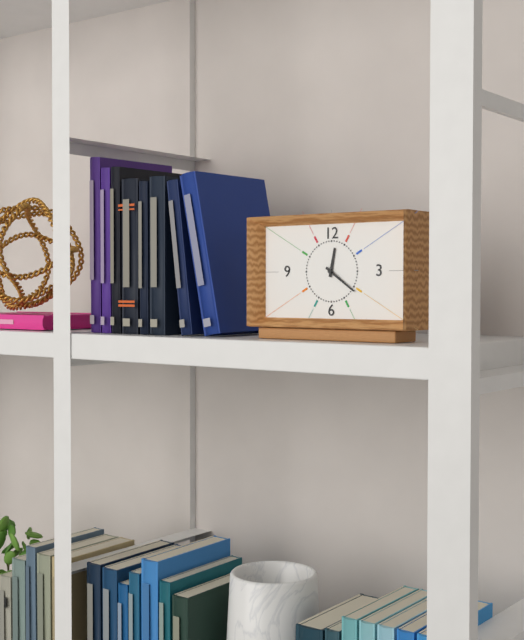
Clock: 12:21
